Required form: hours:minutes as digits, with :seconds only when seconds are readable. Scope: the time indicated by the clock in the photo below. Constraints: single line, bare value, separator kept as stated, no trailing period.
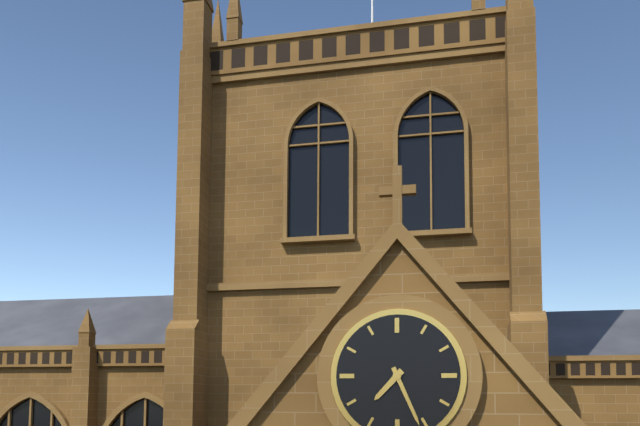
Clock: 7:26
